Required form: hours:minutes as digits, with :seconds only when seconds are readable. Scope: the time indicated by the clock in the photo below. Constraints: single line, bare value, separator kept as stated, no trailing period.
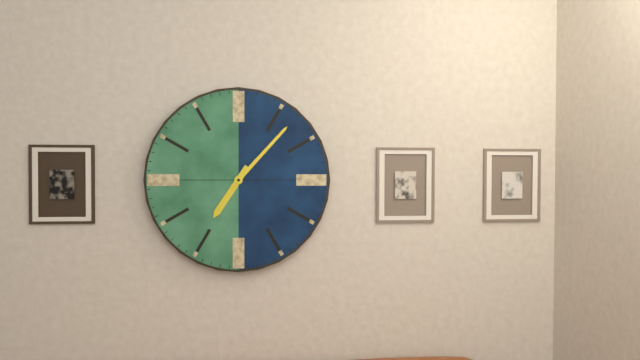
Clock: 7:07
